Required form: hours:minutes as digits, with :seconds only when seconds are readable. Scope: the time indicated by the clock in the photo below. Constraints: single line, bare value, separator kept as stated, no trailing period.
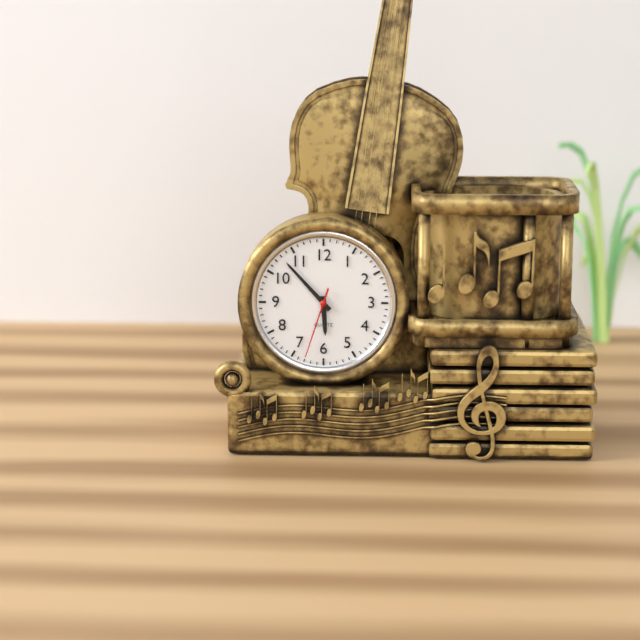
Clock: 5:53:33
